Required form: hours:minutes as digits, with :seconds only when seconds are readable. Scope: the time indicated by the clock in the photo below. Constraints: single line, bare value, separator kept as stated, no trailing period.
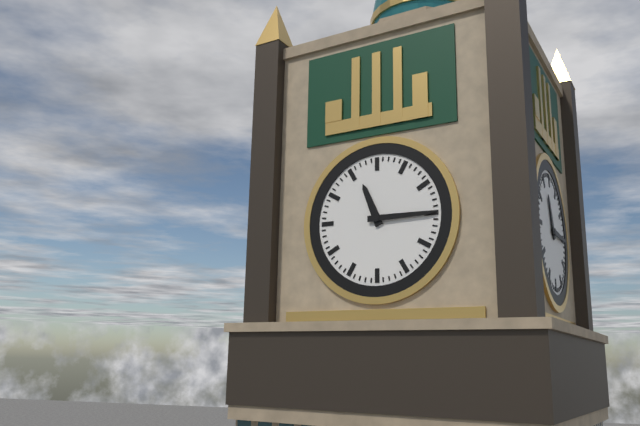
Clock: 11:15
